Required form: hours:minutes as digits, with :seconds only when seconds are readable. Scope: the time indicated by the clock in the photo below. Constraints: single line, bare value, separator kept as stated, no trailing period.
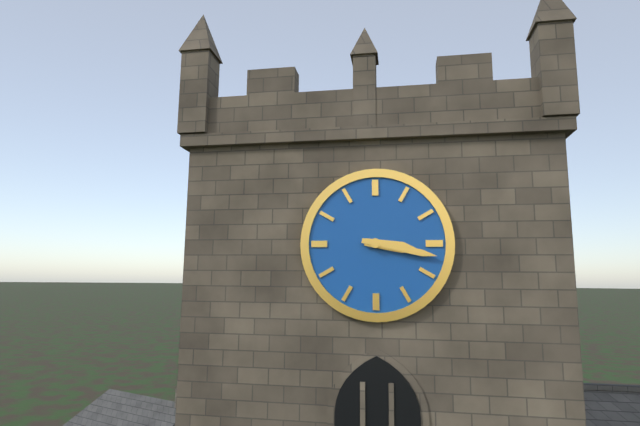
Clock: 3:17
